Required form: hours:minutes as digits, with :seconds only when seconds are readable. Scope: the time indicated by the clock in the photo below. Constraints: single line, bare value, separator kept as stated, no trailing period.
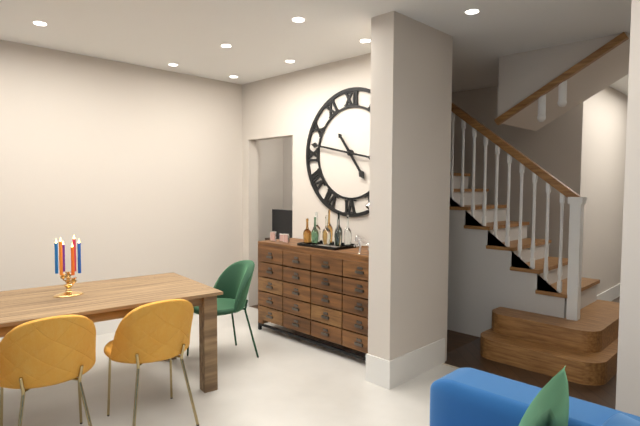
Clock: 4:47
